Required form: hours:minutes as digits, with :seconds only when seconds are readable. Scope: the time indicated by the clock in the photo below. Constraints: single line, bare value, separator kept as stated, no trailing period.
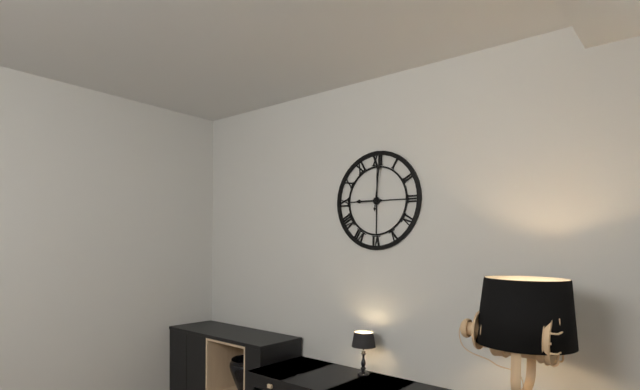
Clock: 9:01
